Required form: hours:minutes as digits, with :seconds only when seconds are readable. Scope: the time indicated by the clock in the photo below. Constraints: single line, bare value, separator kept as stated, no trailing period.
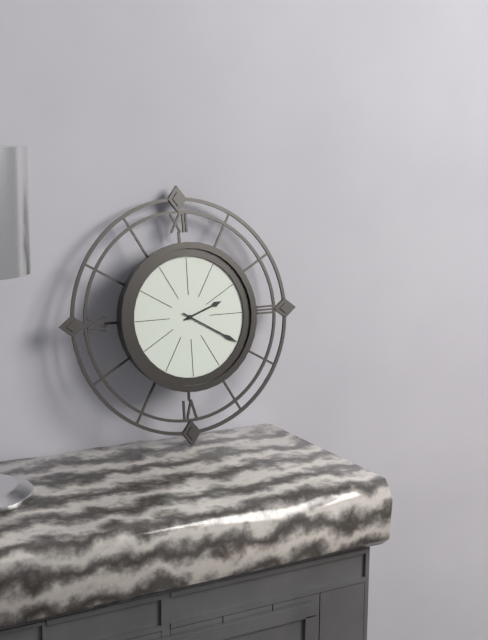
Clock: 2:20
